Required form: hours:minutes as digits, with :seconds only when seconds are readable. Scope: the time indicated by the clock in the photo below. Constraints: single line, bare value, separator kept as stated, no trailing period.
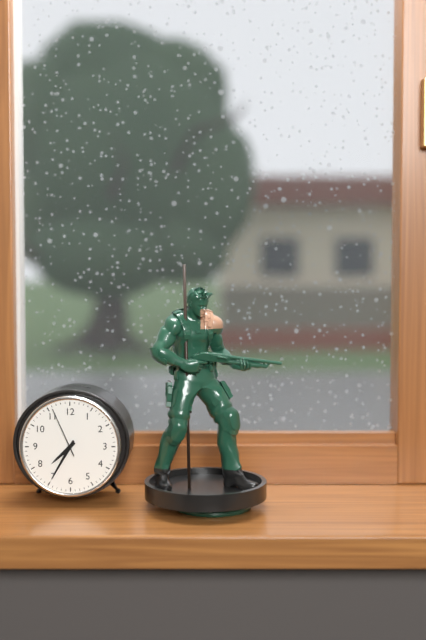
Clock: 7:35:56
